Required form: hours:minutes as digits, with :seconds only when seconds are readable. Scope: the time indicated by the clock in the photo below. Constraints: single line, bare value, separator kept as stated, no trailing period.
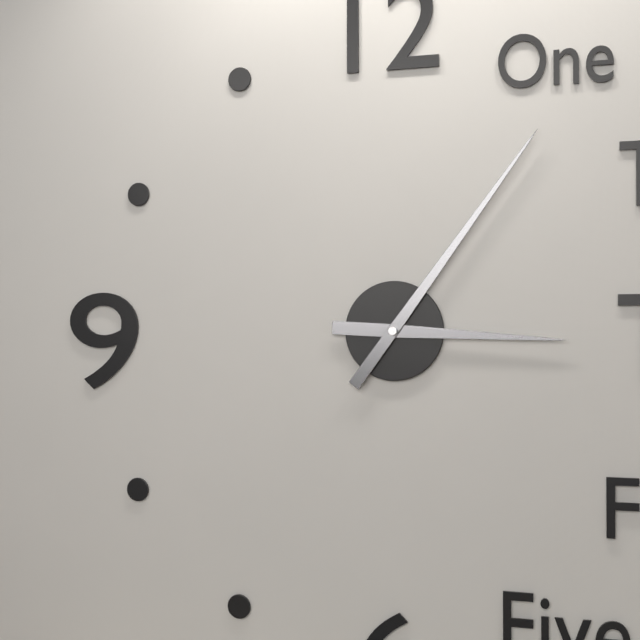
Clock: 3:06
